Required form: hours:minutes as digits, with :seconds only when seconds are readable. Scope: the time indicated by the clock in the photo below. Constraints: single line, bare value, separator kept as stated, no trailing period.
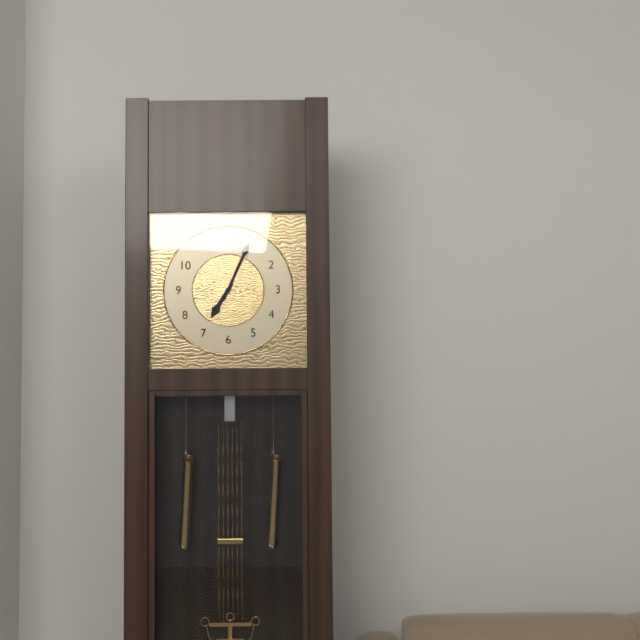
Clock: 7:04
